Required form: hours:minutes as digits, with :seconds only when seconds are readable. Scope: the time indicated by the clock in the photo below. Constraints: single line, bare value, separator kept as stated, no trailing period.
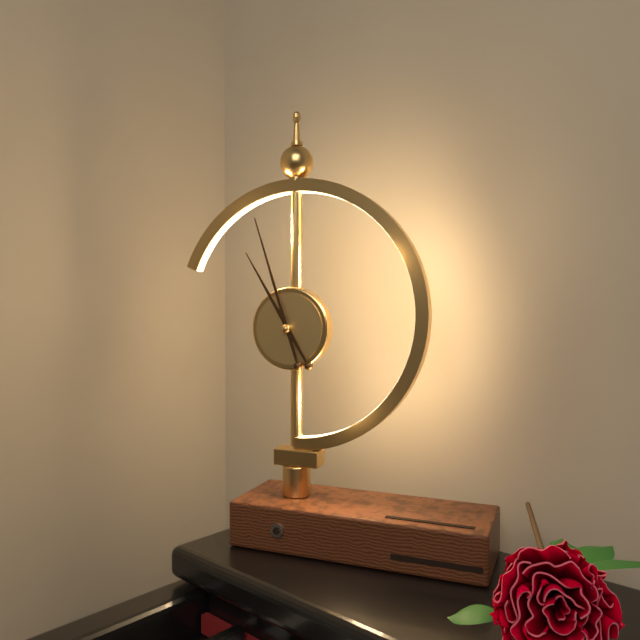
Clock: 10:57
